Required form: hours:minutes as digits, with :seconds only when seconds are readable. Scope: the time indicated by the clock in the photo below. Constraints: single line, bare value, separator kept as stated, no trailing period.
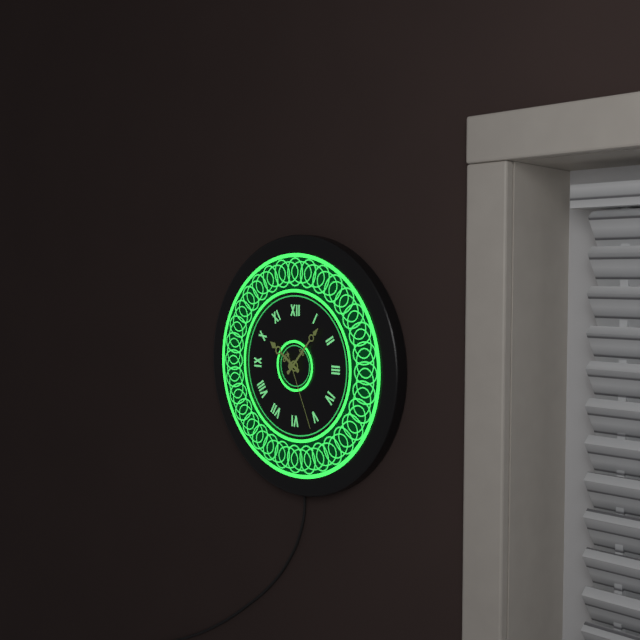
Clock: 10:07:26
